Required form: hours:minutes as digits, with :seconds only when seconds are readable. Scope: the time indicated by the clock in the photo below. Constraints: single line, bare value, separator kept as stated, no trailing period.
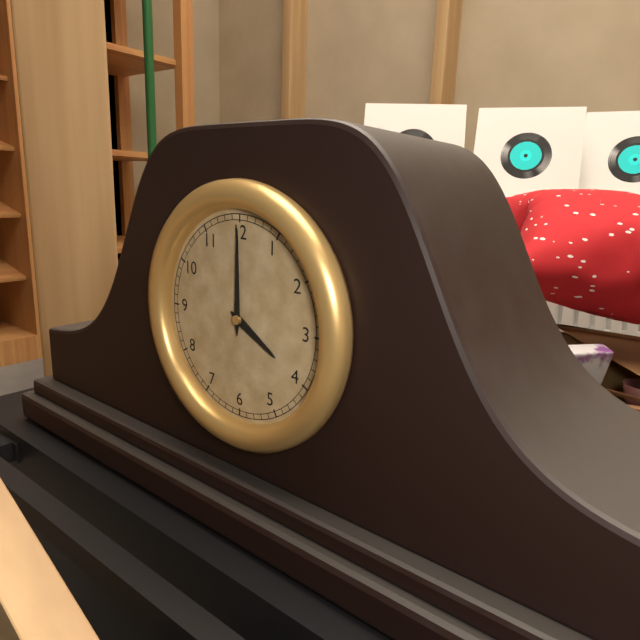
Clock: 4:00
